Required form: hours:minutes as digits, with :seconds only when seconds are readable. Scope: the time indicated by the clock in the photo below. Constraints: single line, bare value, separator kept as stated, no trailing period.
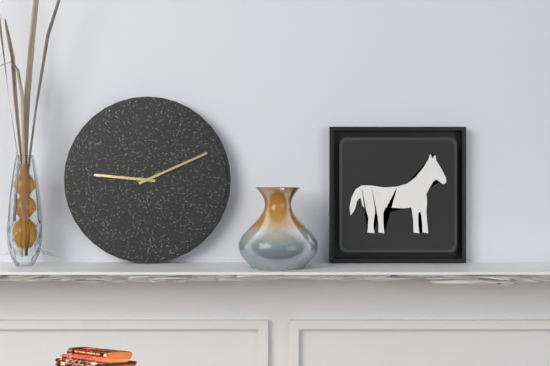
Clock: 9:11
